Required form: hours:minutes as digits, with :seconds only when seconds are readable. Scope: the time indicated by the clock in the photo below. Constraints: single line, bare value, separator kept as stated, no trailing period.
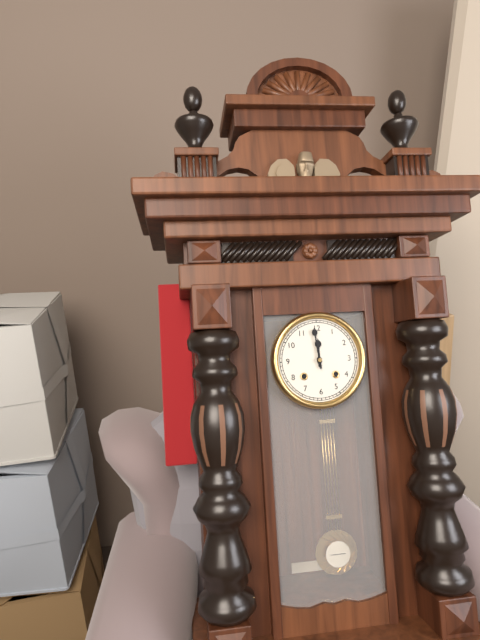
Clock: 11:59
